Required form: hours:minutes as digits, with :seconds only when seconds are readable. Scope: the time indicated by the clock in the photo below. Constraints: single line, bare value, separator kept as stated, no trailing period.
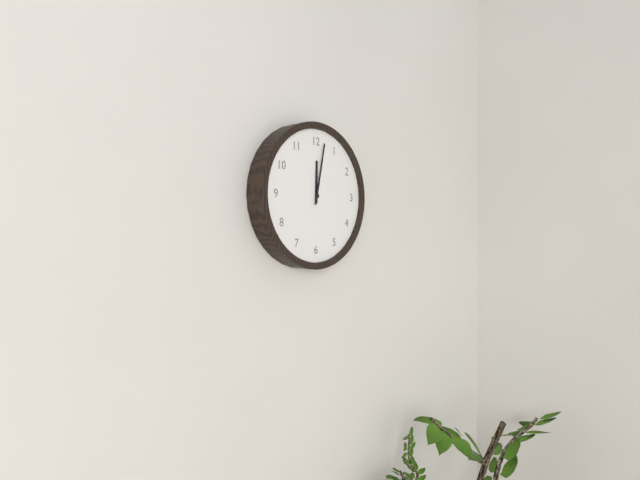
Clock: 12:02
